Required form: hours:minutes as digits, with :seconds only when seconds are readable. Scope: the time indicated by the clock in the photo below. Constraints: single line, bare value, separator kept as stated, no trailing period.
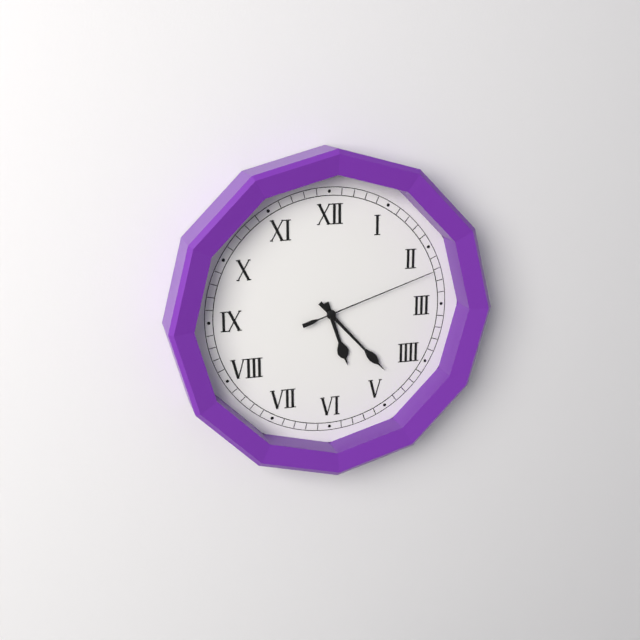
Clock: 5:23:12
